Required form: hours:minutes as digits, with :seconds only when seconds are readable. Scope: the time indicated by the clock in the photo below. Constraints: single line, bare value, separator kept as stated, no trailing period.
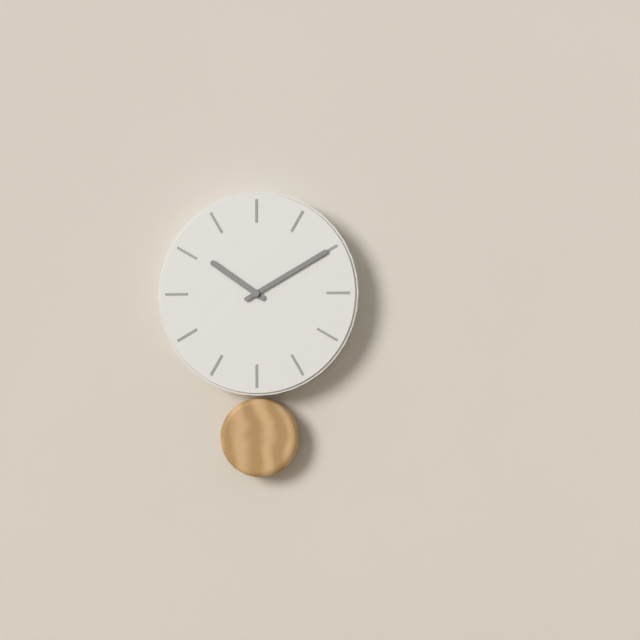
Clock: 10:10
